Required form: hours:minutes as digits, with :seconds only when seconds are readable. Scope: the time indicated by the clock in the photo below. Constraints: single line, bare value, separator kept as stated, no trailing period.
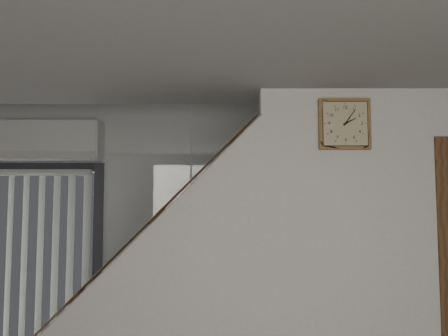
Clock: 2:06
